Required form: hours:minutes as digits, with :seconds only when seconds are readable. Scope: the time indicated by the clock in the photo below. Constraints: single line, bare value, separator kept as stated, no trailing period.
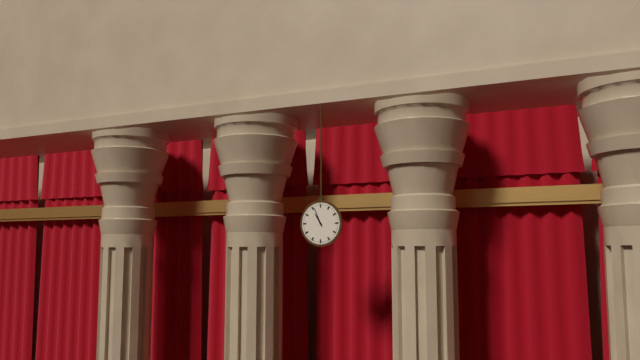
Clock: 10:56
